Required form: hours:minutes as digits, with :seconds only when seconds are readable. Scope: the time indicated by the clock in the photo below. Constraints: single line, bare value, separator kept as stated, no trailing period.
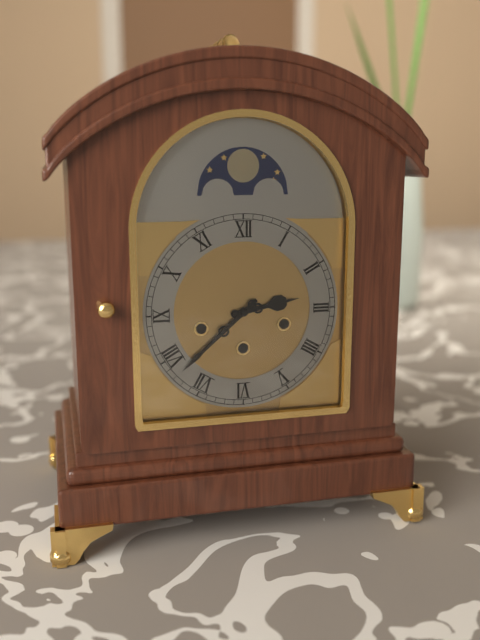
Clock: 2:38
